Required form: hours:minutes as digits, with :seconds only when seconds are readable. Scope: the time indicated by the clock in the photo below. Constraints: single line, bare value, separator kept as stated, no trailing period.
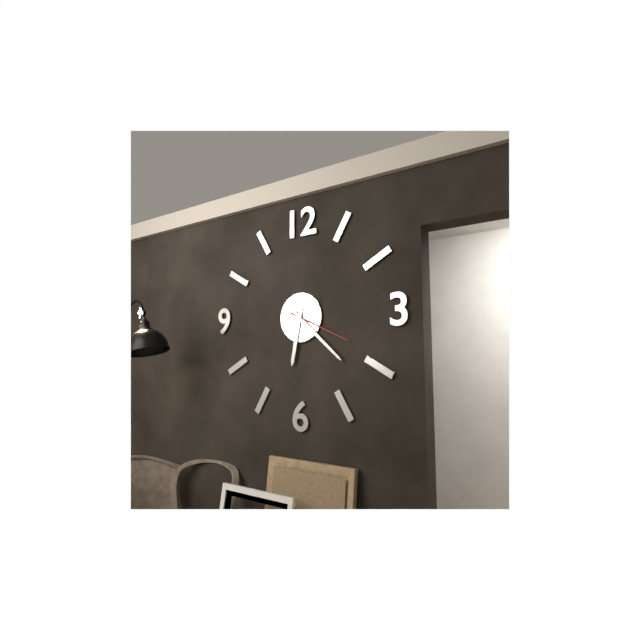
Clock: 6:22:19
